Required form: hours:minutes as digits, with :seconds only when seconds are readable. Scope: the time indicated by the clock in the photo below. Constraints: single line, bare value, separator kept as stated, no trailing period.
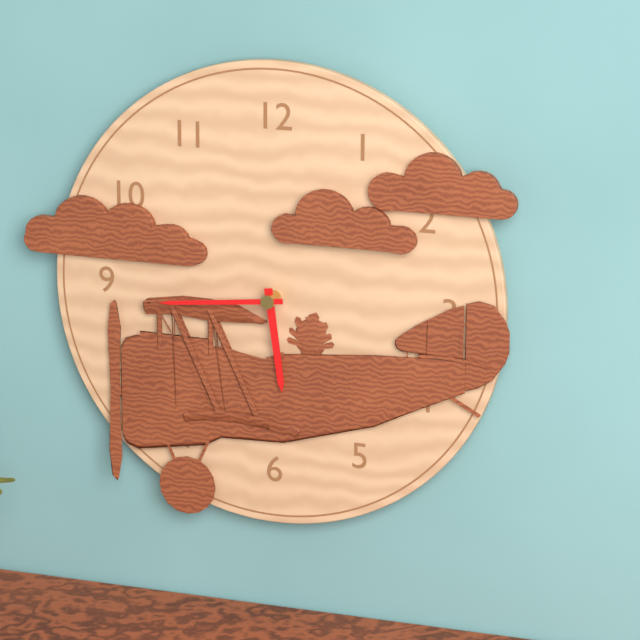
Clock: 5:44
